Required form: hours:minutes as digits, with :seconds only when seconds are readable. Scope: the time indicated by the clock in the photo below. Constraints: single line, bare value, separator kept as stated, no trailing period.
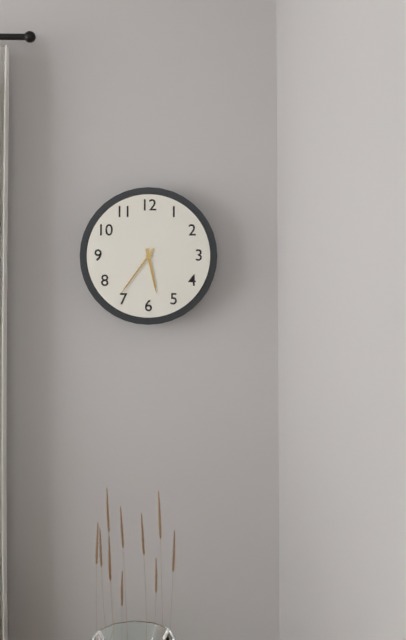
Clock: 5:36
